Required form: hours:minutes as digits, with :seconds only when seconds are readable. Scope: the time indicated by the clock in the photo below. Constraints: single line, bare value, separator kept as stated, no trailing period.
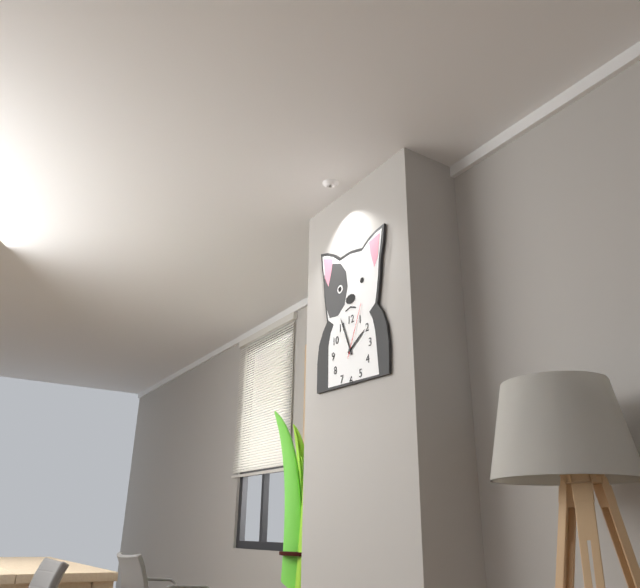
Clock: 1:56:04
